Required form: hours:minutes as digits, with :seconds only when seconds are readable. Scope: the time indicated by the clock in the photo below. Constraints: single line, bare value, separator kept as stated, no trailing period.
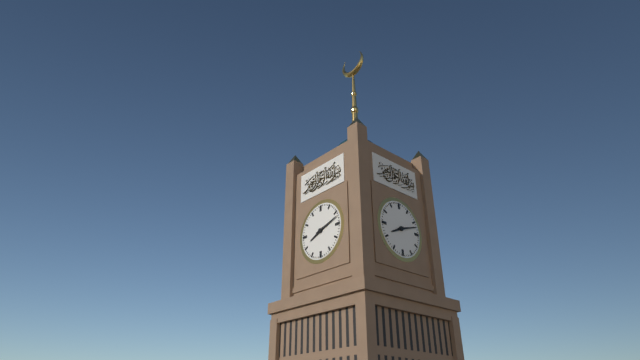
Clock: 8:12
